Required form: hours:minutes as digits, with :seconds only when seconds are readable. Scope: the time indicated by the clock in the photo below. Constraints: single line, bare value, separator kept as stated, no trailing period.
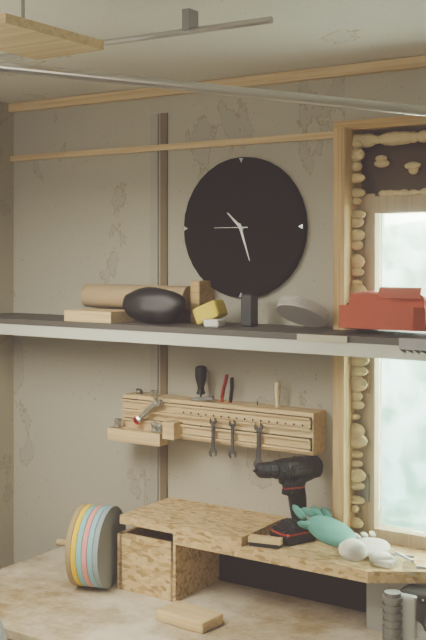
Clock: 10:27
